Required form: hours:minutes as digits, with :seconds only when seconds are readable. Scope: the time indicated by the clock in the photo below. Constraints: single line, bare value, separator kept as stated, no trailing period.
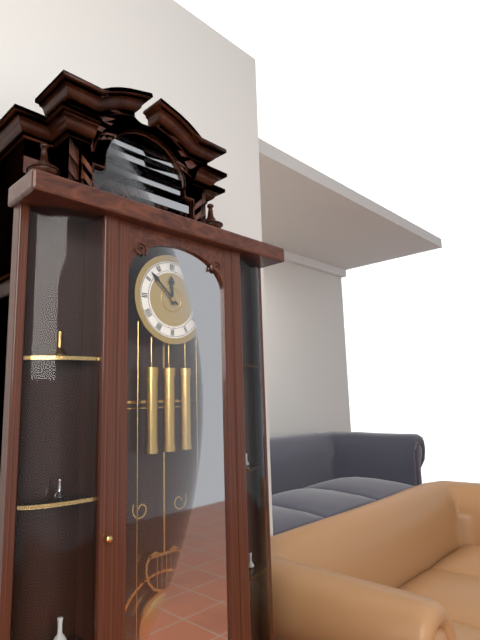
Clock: 11:52
